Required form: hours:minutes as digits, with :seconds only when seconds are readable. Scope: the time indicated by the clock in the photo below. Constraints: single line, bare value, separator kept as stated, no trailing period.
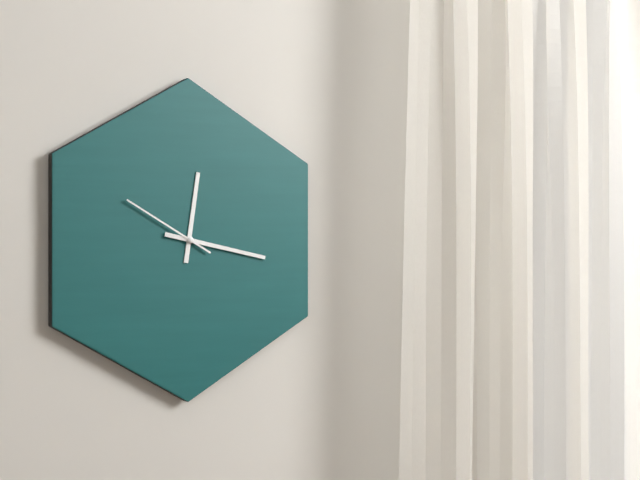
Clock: 12:17:50
